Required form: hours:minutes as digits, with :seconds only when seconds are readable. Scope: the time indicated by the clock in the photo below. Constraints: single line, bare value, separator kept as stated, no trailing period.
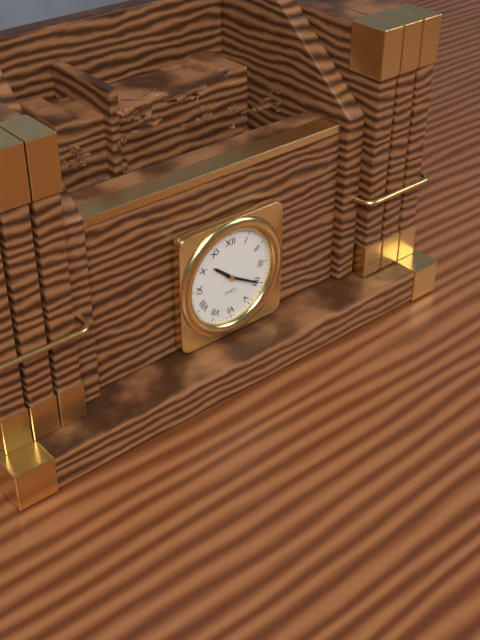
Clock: 10:20
